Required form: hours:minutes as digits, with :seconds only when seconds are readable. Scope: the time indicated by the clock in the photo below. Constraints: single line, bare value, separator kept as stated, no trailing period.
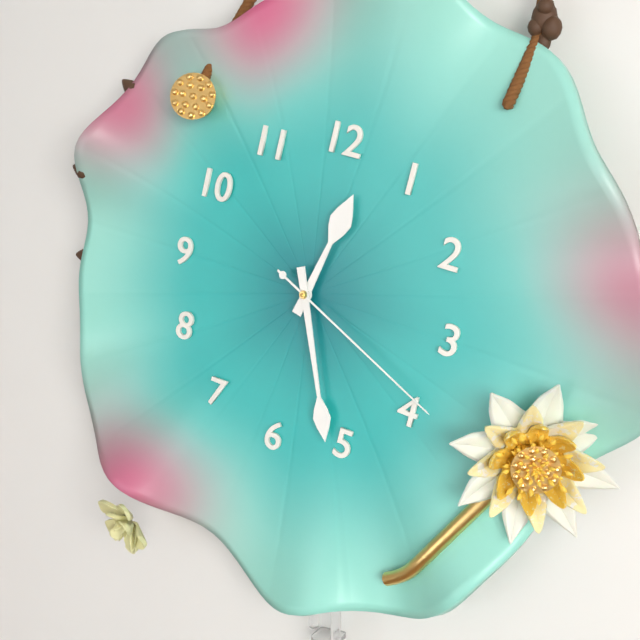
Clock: 12:26:19
